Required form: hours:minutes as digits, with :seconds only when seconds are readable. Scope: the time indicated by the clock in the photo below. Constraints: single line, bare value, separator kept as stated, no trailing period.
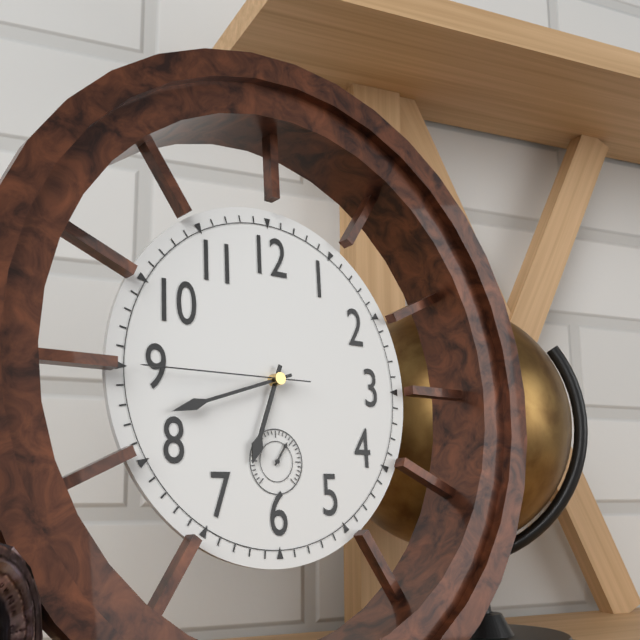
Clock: 6:42:45
